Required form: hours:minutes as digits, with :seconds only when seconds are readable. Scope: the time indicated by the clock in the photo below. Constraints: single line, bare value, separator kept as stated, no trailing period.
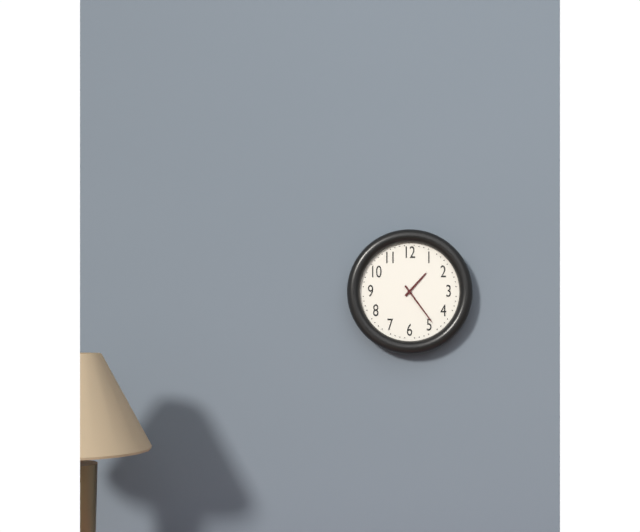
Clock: 1:24
